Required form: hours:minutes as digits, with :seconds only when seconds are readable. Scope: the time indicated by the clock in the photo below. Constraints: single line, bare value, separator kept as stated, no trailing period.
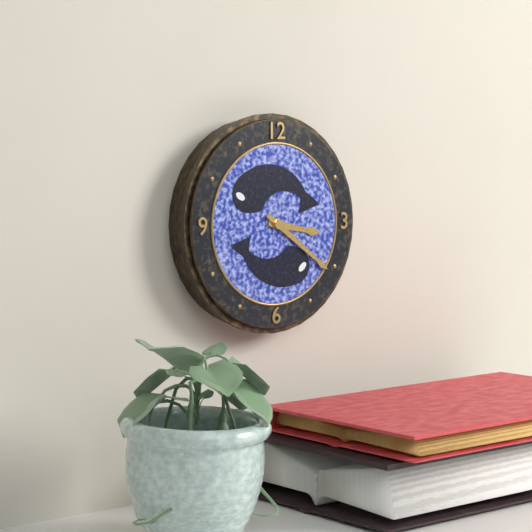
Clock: 3:21
